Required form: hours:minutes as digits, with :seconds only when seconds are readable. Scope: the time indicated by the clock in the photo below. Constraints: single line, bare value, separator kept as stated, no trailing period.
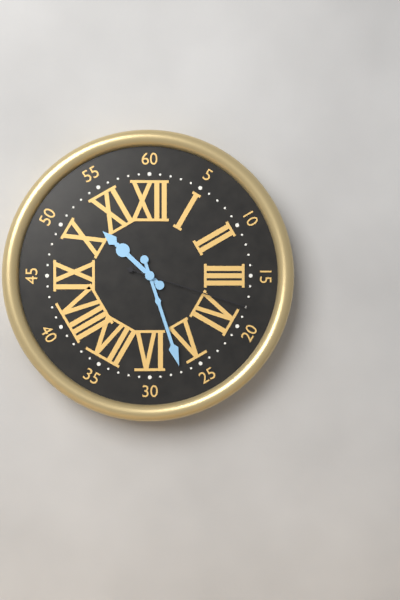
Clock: 10:27:18
